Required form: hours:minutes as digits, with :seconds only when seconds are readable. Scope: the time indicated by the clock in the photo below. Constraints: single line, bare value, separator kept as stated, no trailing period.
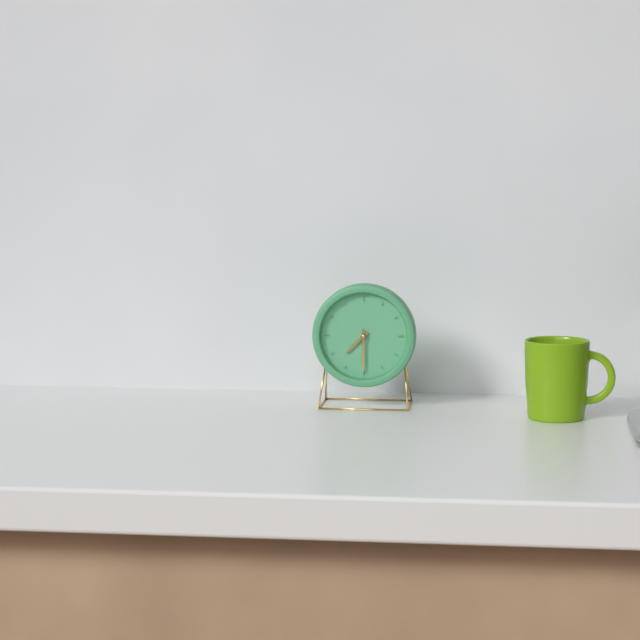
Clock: 7:30
